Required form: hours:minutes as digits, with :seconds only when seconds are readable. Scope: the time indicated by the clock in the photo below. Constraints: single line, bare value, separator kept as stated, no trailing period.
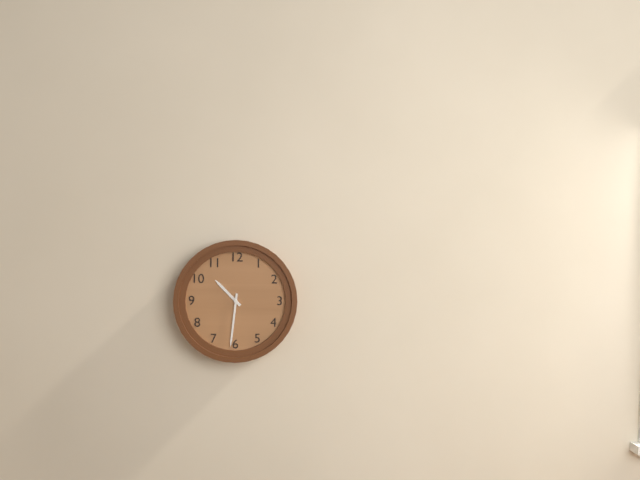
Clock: 10:31
